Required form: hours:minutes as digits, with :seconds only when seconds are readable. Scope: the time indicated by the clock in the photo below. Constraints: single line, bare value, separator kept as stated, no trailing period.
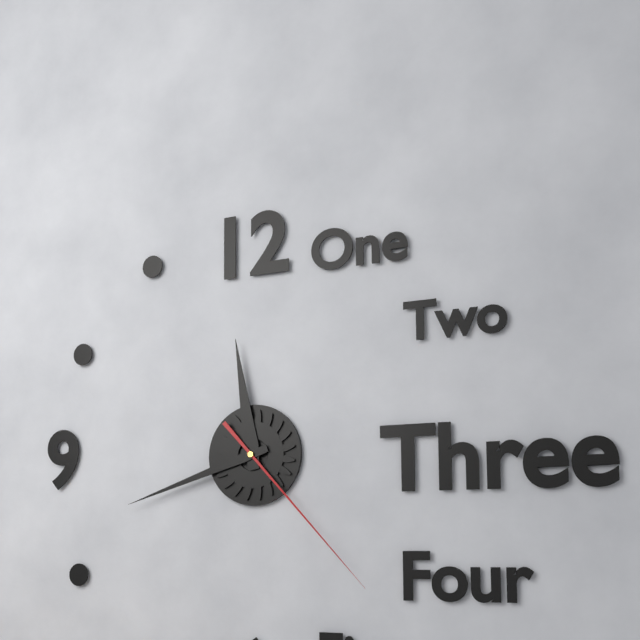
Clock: 11:42:23
